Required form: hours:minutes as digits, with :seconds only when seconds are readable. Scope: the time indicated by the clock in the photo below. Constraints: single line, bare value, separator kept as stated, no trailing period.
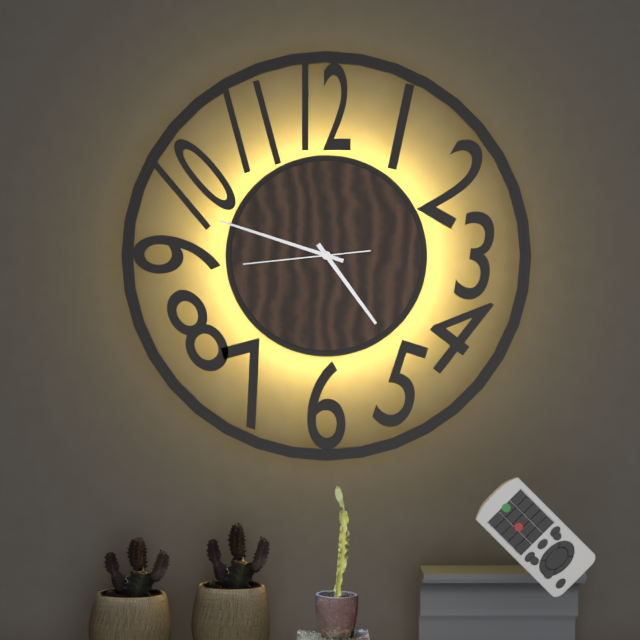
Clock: 4:48:44
